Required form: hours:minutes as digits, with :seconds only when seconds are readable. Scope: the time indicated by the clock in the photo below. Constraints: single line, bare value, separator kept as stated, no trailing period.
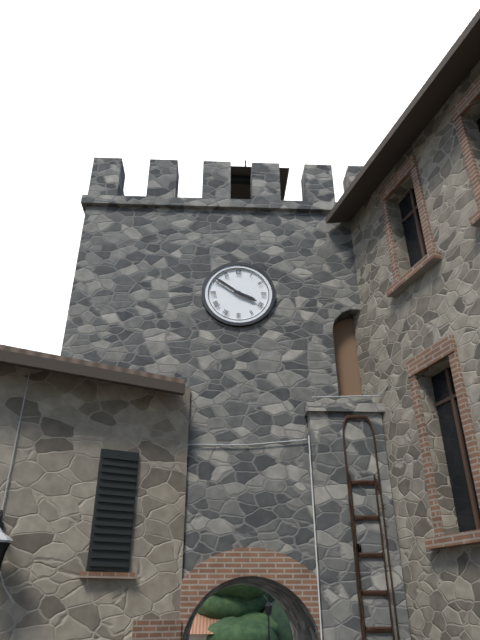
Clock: 3:51
